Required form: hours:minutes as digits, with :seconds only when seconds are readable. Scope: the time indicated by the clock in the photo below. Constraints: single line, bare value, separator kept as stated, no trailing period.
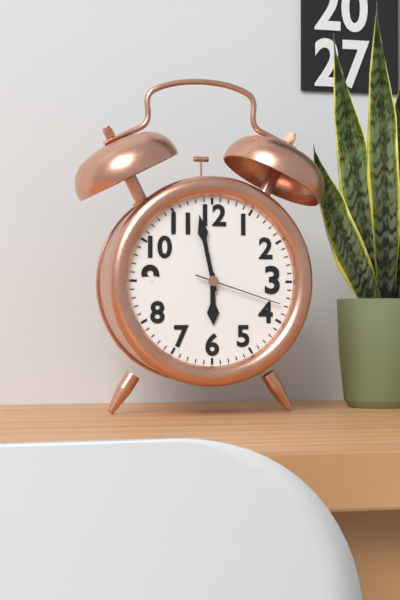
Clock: 5:58:18
